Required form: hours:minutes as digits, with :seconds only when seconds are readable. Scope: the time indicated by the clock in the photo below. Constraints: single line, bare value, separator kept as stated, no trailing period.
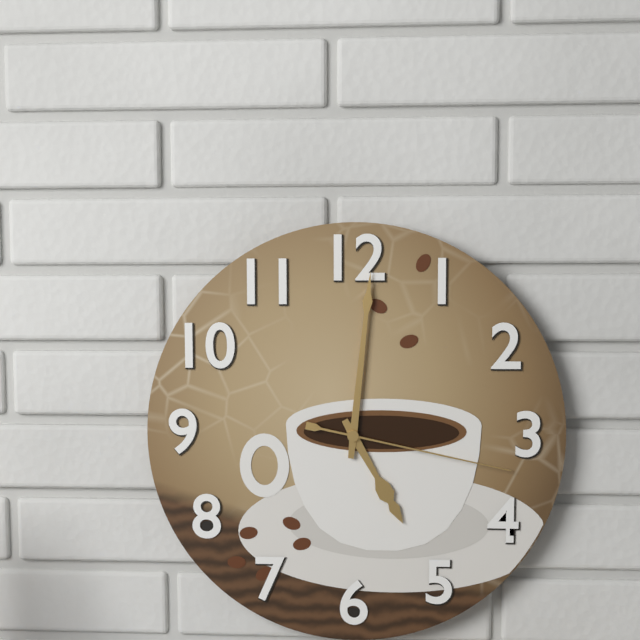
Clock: 5:01:17
